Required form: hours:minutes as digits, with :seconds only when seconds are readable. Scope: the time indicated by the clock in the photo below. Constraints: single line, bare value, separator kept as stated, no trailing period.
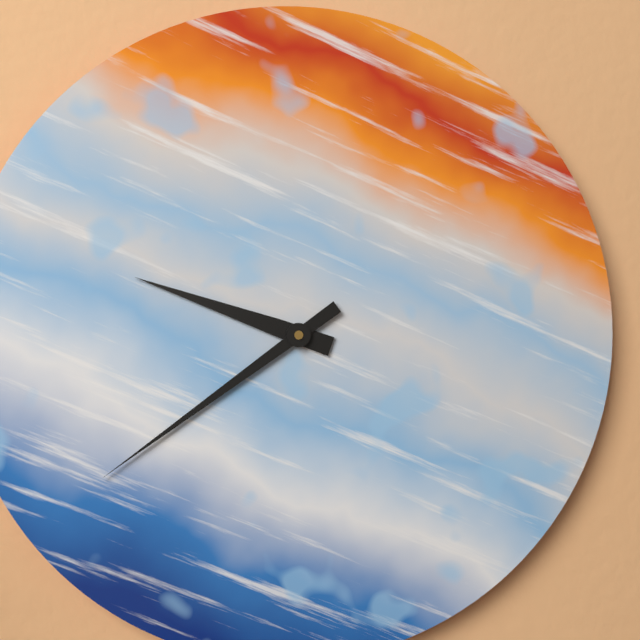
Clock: 9:39
